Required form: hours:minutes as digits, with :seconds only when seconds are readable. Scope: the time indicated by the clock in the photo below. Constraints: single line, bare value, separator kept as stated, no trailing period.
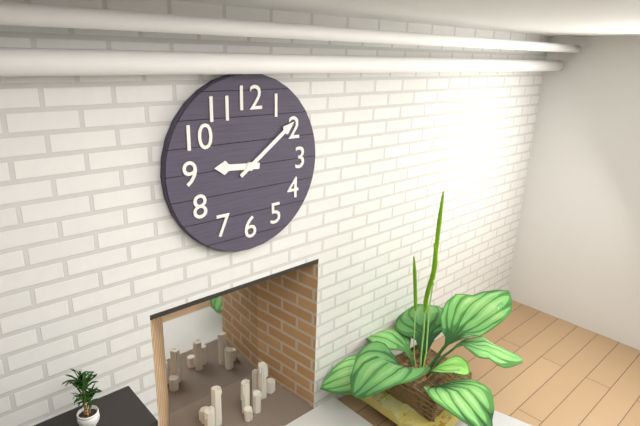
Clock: 9:09
